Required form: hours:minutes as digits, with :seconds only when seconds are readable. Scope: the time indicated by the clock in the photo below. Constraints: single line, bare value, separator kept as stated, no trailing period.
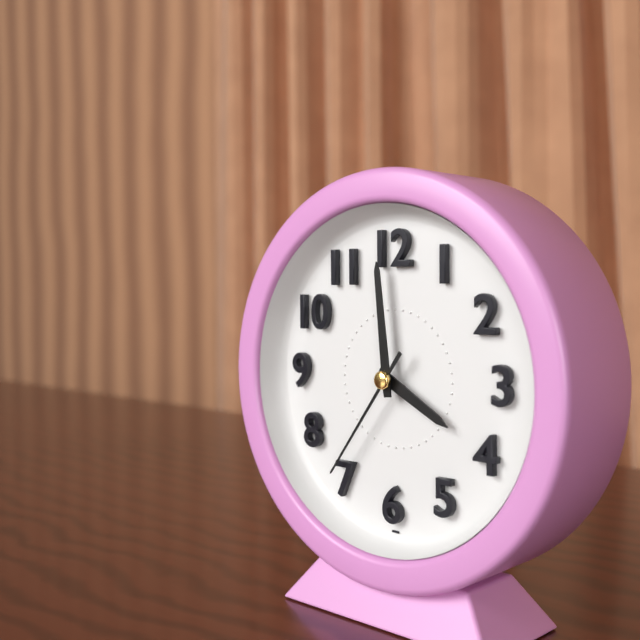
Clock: 3:59:36
